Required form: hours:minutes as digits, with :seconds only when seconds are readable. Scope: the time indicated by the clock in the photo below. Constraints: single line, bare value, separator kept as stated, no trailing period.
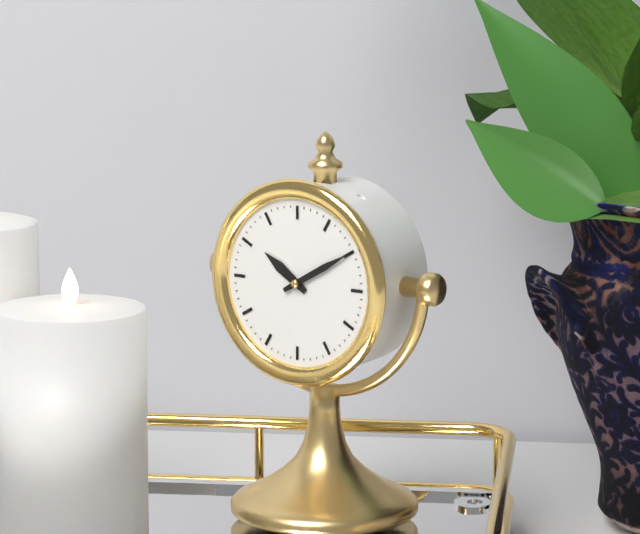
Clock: 10:10
